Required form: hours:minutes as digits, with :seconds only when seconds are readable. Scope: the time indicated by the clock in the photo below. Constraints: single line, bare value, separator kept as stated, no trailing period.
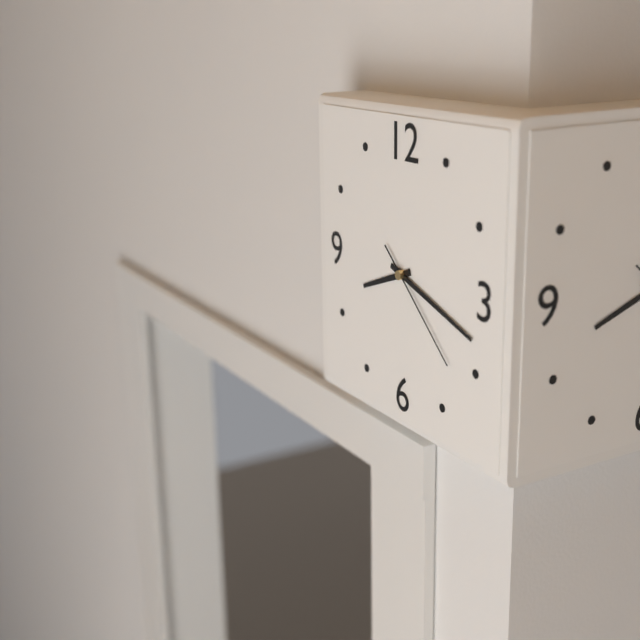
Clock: 8:18:22
